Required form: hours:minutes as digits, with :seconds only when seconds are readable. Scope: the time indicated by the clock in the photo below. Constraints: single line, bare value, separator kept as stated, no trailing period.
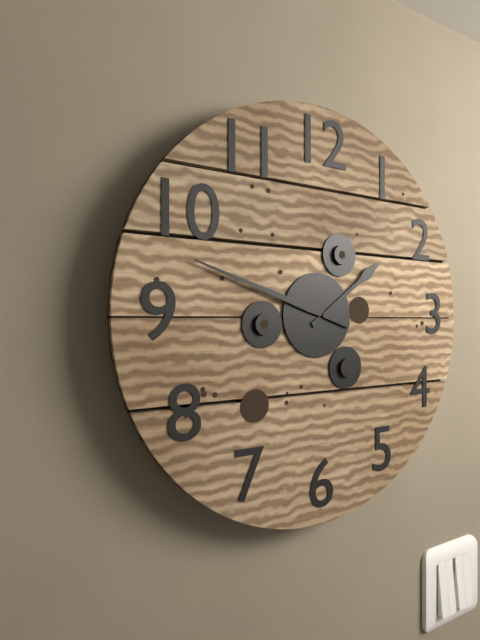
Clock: 1:48
